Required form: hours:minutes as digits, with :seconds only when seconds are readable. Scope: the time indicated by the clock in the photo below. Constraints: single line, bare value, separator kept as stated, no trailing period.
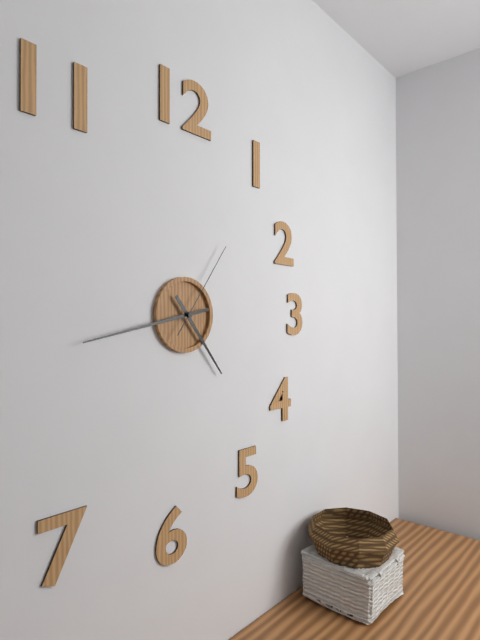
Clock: 4:43:06
